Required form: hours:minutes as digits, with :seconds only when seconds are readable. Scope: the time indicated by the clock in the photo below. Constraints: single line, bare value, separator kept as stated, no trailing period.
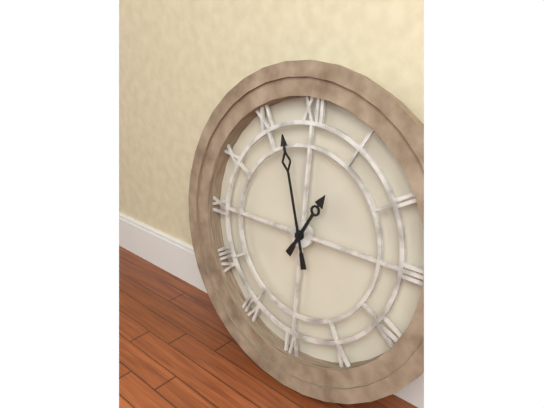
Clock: 12:57
